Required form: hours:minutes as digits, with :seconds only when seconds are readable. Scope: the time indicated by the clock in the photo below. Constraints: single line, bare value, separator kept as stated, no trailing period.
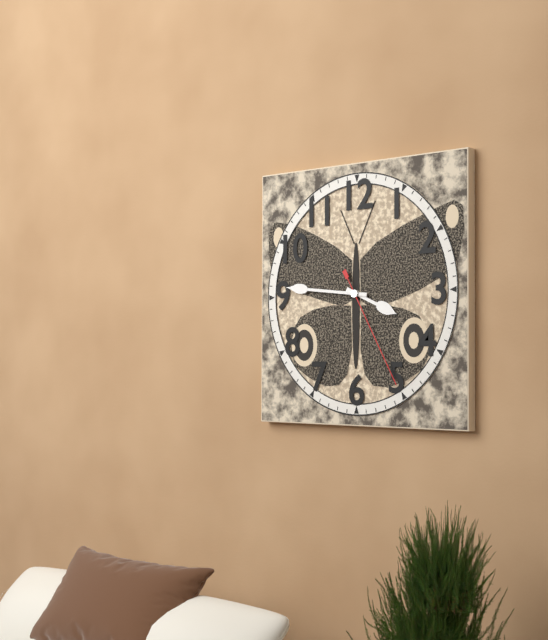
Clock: 3:46:25
